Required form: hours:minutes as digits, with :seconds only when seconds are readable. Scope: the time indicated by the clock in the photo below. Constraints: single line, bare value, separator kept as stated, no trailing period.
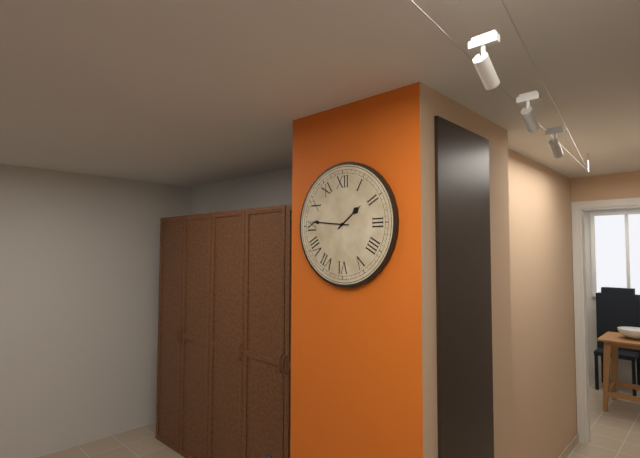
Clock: 1:46
